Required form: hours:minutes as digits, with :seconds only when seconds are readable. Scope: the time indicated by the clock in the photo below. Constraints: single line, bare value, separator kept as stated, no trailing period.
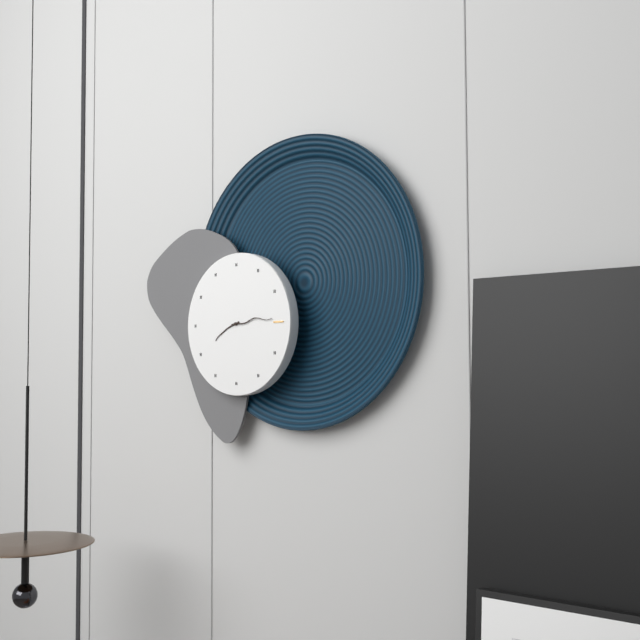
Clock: 8:14
